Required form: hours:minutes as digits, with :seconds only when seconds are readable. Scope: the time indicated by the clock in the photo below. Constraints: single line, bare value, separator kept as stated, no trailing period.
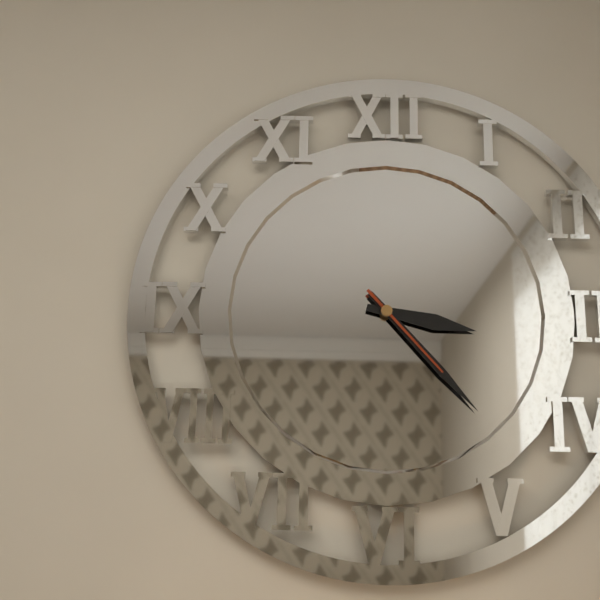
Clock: 3:23:23
